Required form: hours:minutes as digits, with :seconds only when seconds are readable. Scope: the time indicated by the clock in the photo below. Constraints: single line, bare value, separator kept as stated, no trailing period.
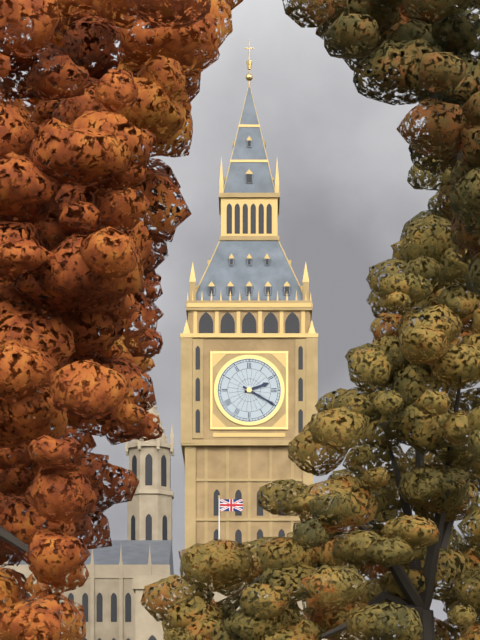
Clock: 2:20
